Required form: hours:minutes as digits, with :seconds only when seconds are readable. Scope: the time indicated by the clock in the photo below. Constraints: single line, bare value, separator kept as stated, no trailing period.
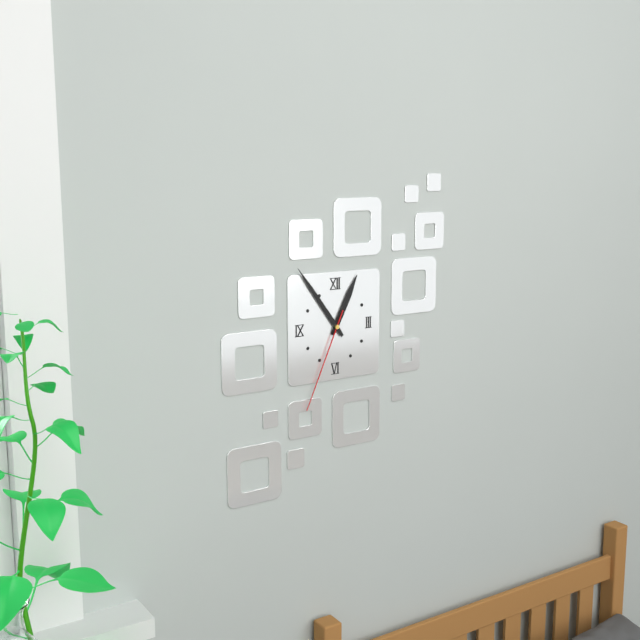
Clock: 12:54:34
